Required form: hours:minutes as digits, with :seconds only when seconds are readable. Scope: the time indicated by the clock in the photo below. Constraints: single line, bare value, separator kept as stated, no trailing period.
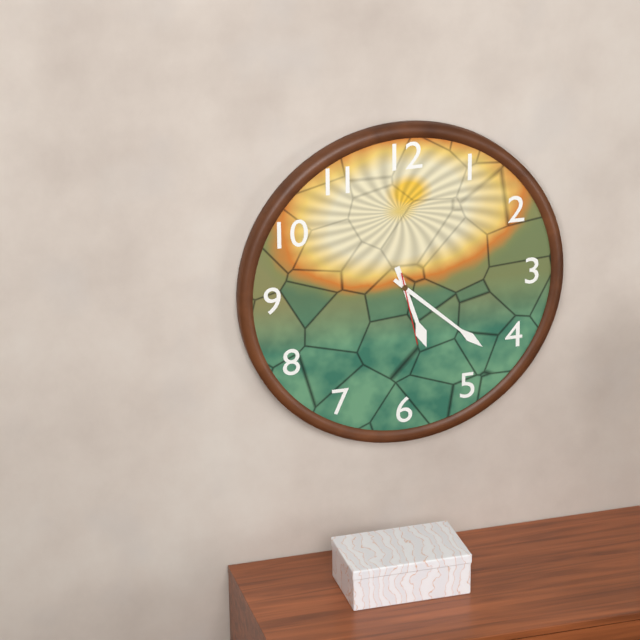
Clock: 5:22:28
